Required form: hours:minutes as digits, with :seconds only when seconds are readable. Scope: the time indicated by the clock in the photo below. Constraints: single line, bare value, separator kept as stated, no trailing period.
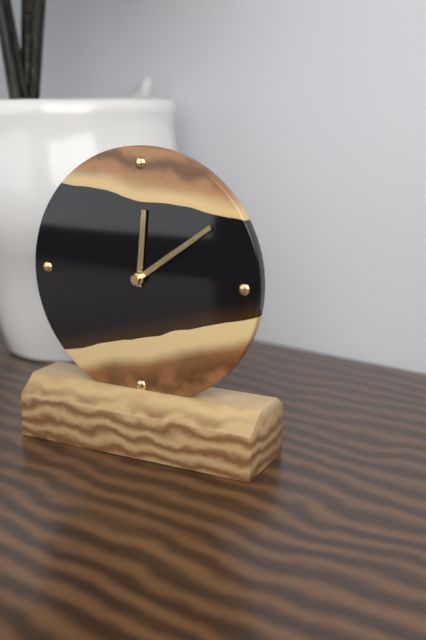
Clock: 12:09
